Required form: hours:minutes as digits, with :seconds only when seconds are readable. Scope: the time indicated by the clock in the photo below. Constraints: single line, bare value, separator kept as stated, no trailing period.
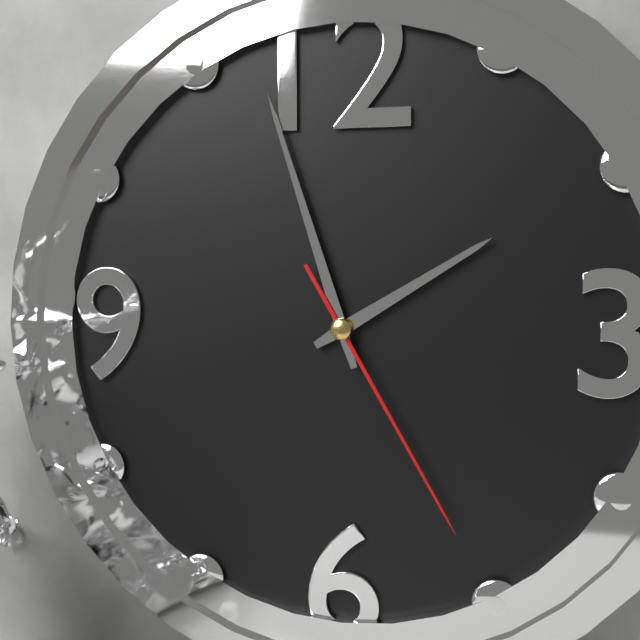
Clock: 1:57:25
